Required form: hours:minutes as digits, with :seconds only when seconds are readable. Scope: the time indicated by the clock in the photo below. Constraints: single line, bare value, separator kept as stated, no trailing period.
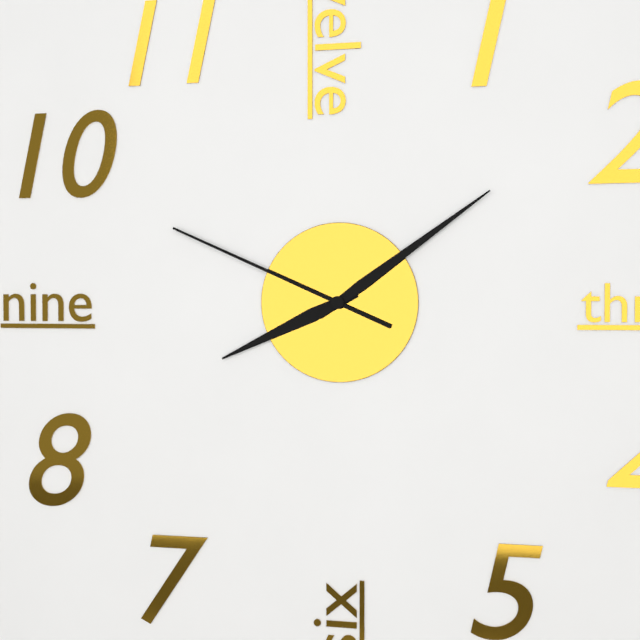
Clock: 8:09:49
